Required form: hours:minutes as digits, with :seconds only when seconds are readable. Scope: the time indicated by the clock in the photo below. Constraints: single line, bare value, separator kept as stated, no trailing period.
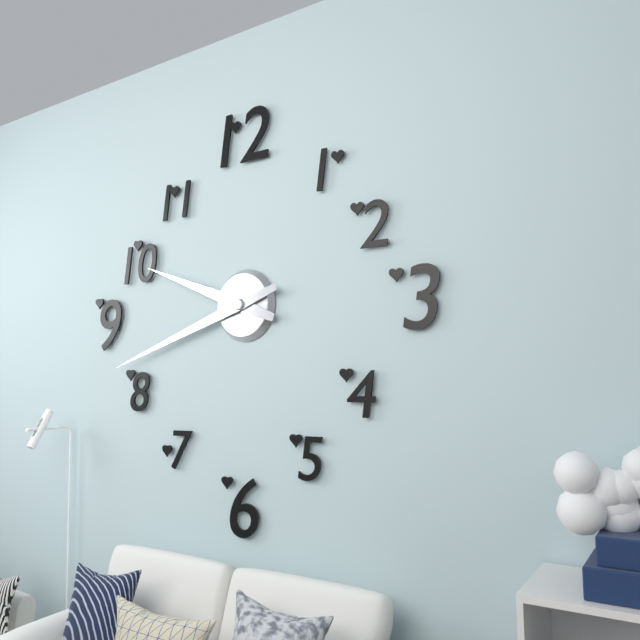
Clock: 9:42
